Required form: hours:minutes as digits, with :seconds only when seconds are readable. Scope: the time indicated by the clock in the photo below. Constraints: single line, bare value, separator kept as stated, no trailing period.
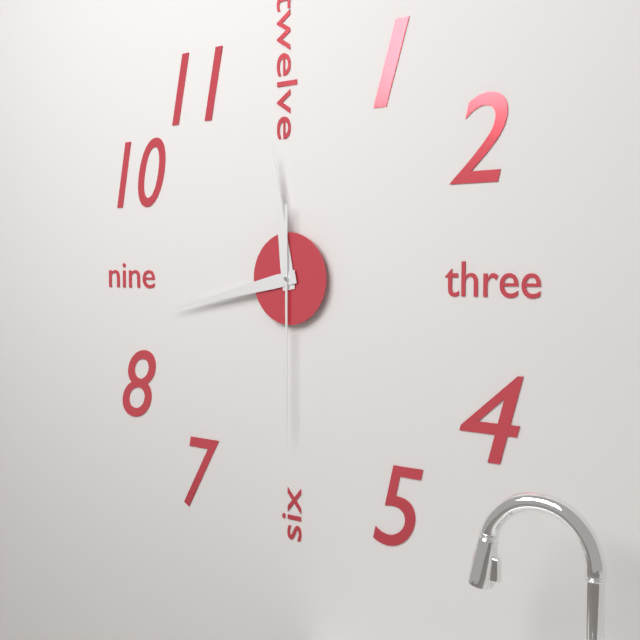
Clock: 11:43:30
